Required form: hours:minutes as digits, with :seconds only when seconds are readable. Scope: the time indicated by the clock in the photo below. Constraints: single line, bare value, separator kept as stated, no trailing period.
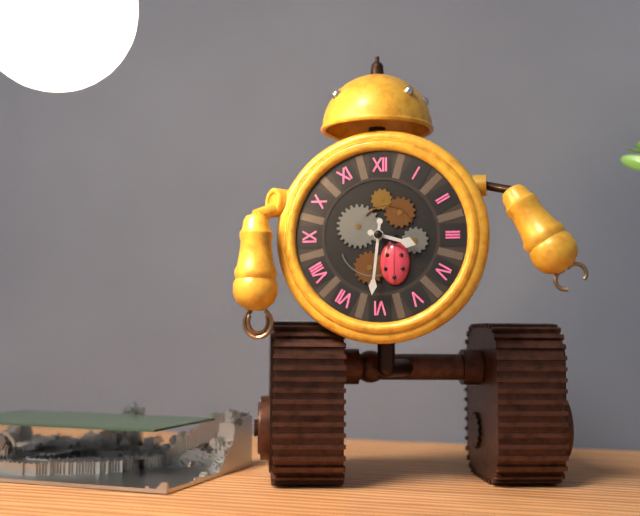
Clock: 3:31
